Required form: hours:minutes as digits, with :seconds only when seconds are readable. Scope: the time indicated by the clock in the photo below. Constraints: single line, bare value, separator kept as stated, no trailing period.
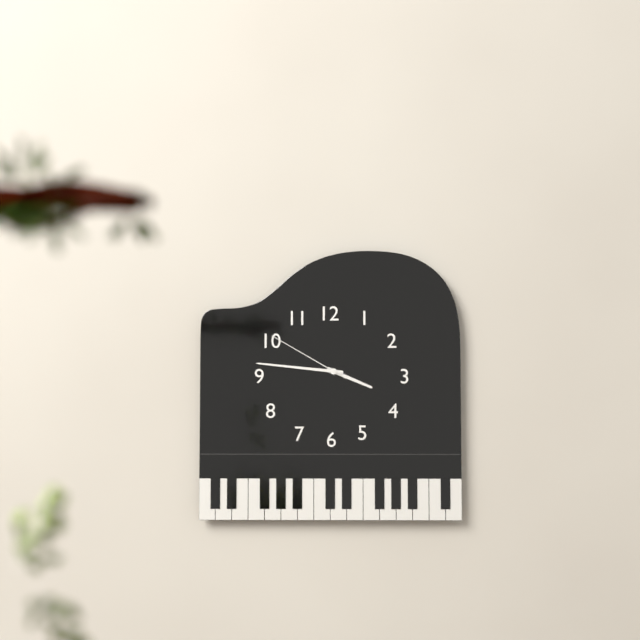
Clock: 3:46:50
